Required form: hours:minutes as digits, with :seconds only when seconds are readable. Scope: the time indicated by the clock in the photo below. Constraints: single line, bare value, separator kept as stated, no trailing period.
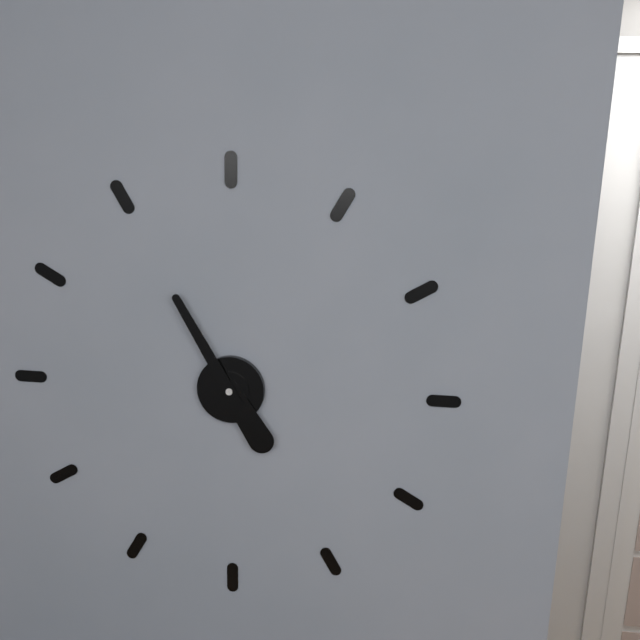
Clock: 4:55
